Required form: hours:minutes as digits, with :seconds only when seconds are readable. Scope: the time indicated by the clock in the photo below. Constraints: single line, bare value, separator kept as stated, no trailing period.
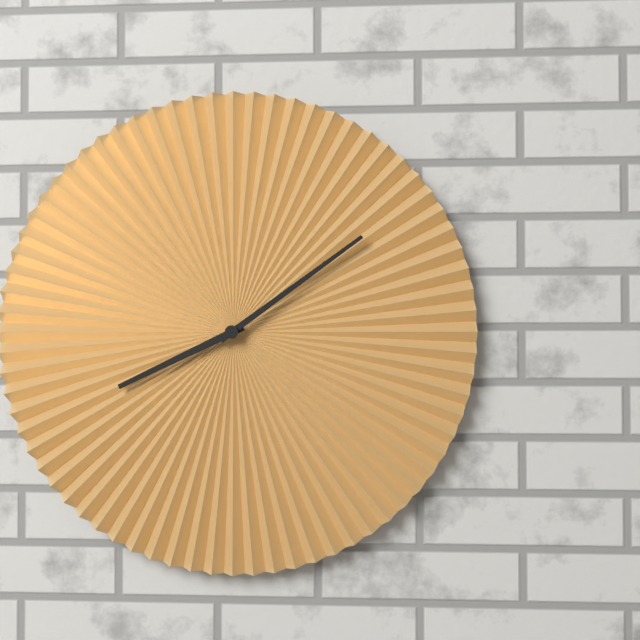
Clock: 8:09
